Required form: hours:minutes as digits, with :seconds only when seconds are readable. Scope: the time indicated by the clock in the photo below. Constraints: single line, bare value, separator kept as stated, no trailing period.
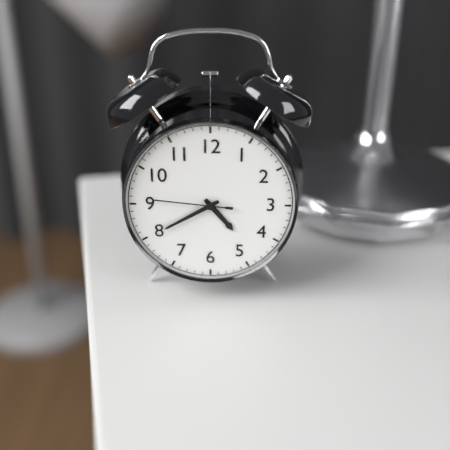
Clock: 4:40:46
